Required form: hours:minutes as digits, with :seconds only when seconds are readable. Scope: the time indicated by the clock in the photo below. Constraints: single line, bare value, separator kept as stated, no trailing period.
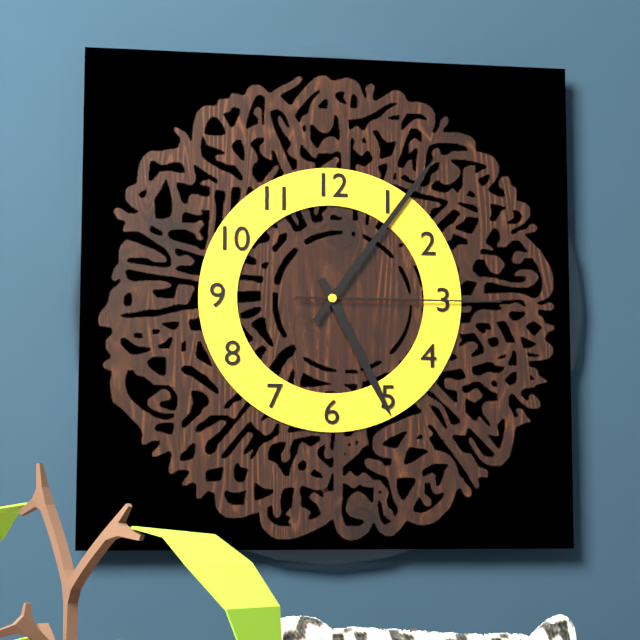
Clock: 5:06:15
